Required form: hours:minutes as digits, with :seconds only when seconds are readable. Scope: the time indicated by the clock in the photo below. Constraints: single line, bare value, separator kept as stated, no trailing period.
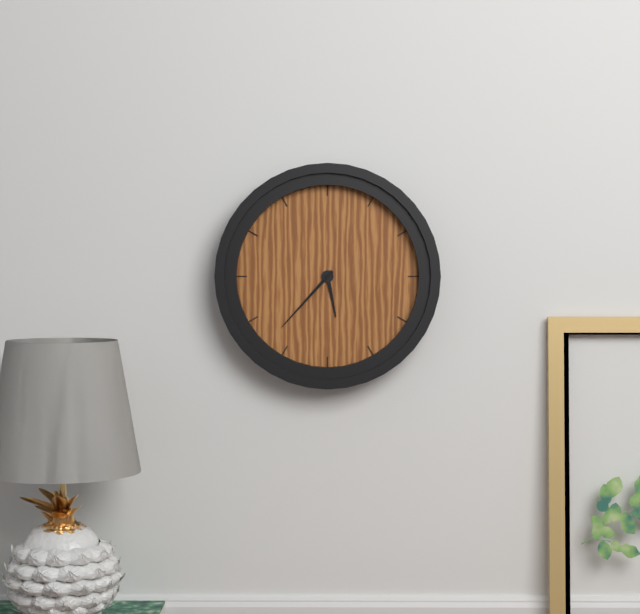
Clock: 5:37
